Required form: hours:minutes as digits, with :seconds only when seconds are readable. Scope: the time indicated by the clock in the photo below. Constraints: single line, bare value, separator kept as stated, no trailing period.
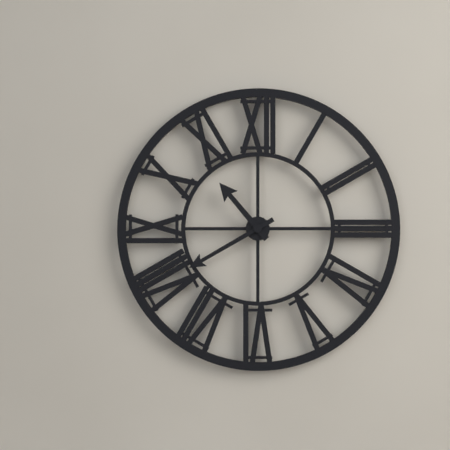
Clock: 10:40
